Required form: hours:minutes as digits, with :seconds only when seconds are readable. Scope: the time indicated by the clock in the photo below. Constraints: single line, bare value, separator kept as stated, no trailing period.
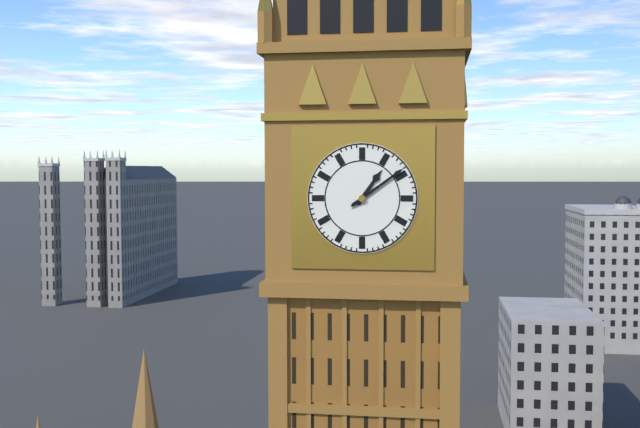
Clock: 1:09
